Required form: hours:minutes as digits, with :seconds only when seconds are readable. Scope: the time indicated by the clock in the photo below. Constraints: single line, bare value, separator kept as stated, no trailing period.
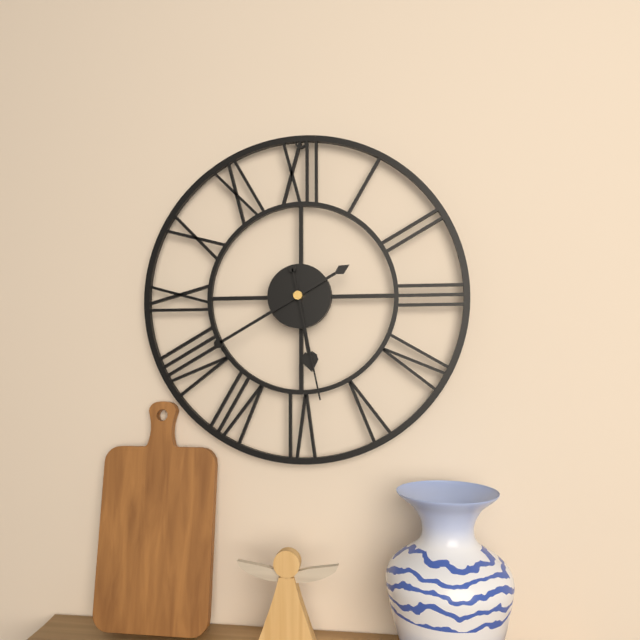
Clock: 5:40:28
